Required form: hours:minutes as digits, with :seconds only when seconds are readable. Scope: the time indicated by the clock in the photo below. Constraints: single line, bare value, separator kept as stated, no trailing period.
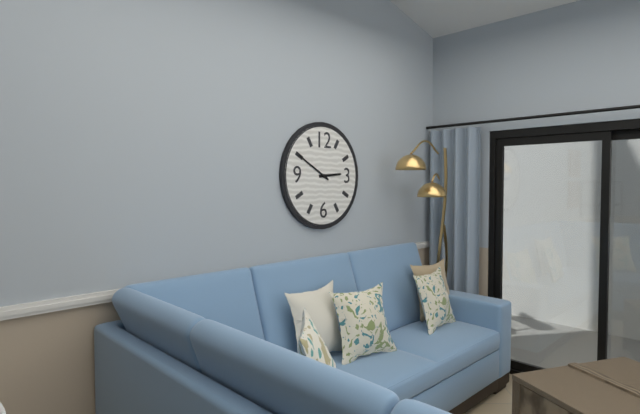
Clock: 2:50
